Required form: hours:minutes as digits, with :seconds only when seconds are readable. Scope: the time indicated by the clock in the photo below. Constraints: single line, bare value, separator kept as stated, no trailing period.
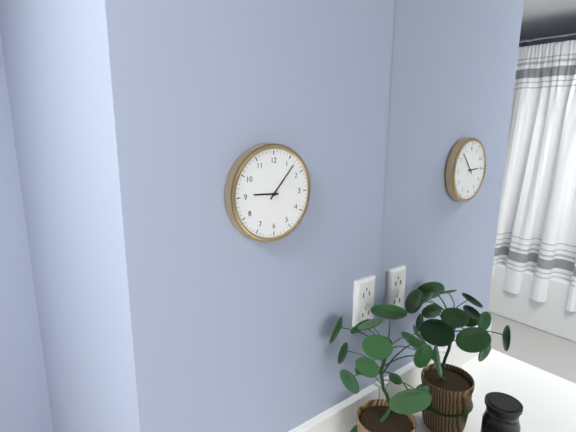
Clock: 9:07
